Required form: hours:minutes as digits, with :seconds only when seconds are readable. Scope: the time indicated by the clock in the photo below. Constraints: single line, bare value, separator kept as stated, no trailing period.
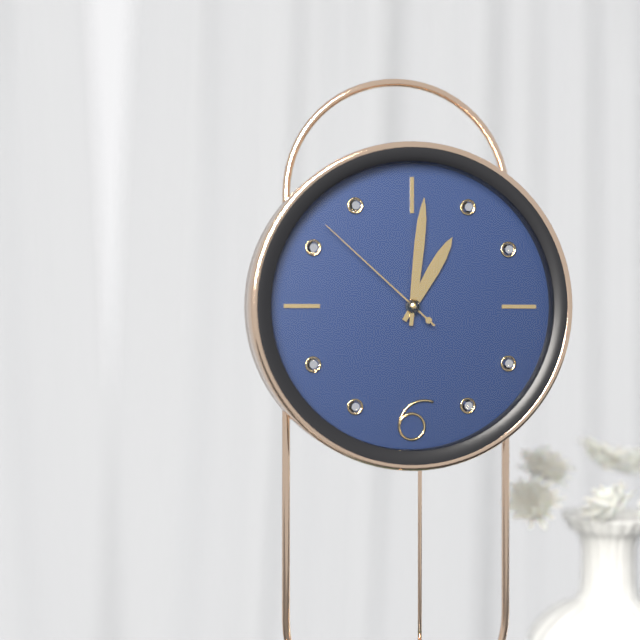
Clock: 1:01:52
